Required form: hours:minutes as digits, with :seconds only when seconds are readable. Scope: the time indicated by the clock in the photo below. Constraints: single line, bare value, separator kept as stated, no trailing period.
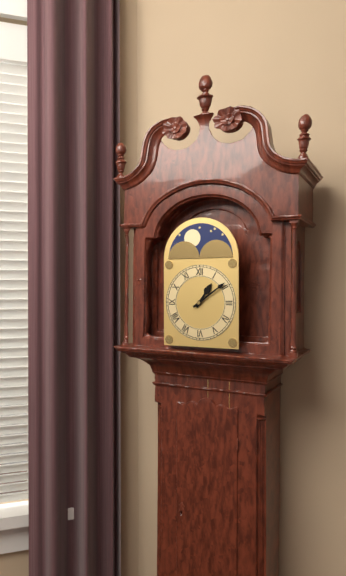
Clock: 1:09
